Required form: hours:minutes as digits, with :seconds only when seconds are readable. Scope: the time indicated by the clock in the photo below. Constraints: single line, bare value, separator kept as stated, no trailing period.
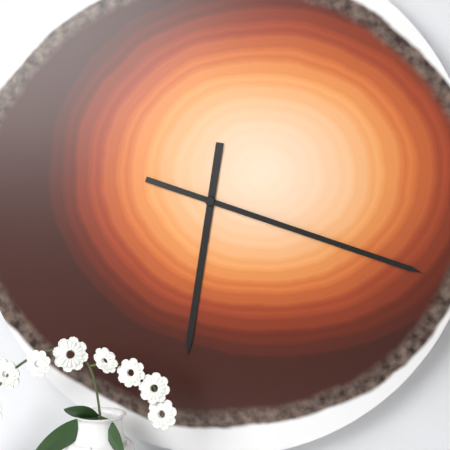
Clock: 6:18
